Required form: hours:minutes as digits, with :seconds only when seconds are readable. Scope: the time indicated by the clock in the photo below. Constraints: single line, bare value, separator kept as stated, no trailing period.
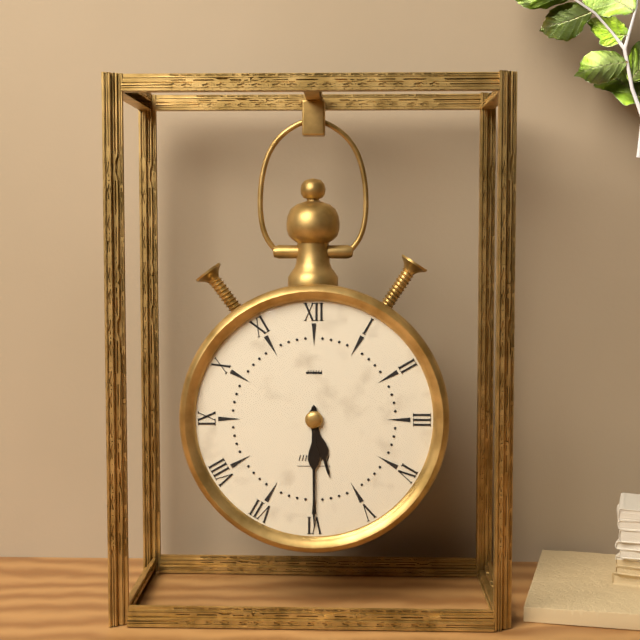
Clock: 5:30
